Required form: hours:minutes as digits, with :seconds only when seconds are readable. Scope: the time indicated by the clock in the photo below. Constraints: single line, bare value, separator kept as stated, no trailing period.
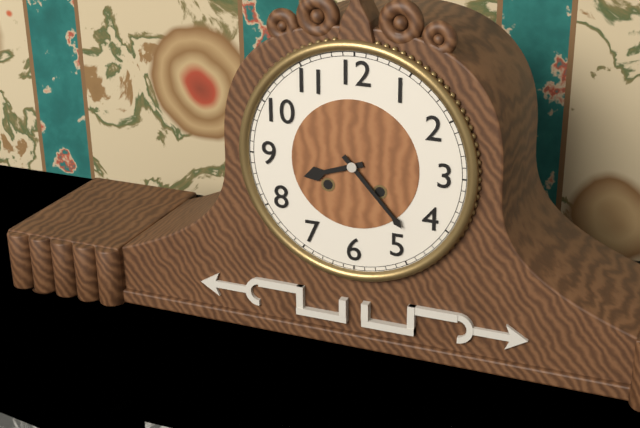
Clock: 8:23
